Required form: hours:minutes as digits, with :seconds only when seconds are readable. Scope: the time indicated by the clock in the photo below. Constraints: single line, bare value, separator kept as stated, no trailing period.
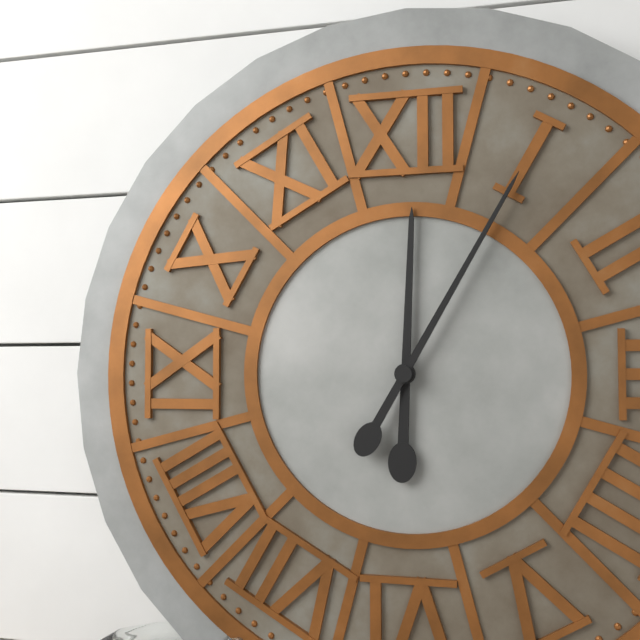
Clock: 12:05
